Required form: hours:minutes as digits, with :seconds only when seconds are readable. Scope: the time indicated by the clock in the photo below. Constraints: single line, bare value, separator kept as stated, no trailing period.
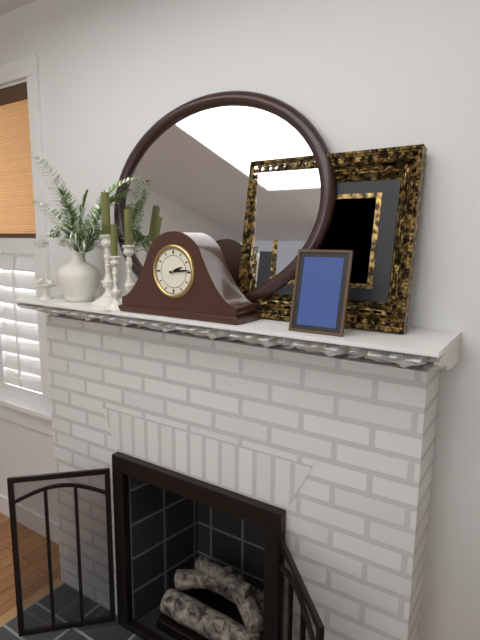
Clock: 2:14
